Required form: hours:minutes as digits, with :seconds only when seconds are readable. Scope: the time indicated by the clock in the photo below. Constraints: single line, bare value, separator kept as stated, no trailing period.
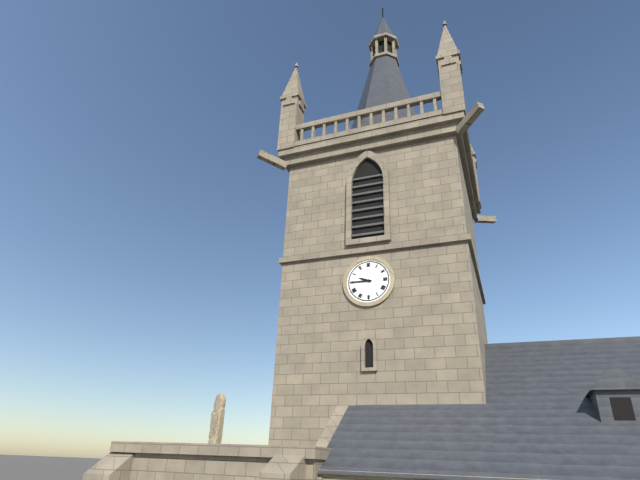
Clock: 9:45
